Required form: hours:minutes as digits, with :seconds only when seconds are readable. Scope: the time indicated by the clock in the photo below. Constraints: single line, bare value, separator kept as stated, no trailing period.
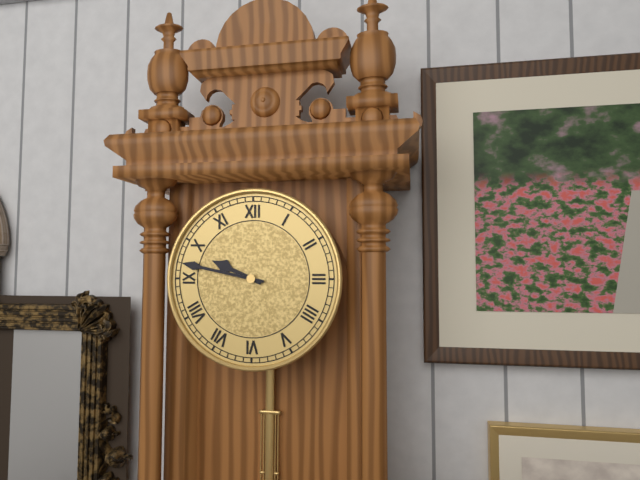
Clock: 9:47
